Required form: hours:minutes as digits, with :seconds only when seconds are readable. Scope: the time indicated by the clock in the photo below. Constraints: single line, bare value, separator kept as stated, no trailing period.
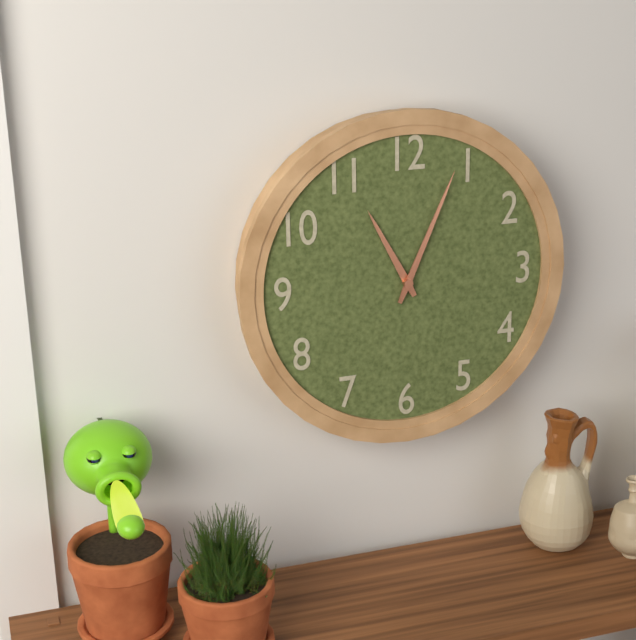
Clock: 11:04
